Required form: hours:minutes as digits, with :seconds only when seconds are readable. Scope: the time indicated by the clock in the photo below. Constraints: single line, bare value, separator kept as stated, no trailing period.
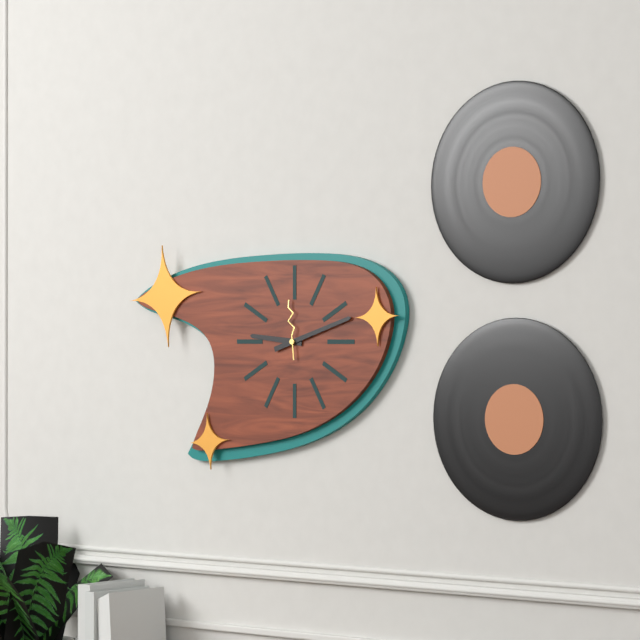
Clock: 9:12:59
